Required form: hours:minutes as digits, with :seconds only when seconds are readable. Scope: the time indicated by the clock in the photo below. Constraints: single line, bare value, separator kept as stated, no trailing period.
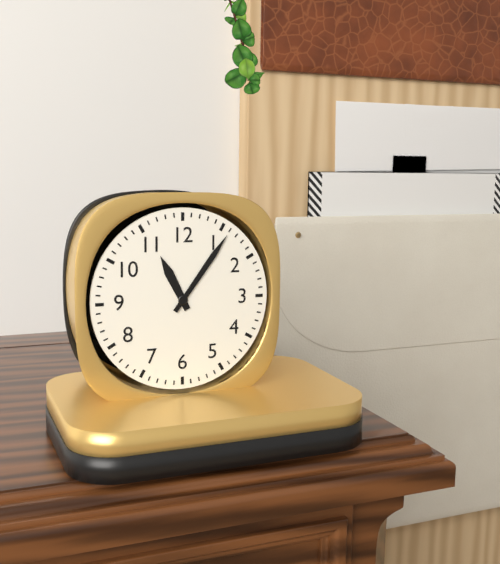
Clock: 11:06
